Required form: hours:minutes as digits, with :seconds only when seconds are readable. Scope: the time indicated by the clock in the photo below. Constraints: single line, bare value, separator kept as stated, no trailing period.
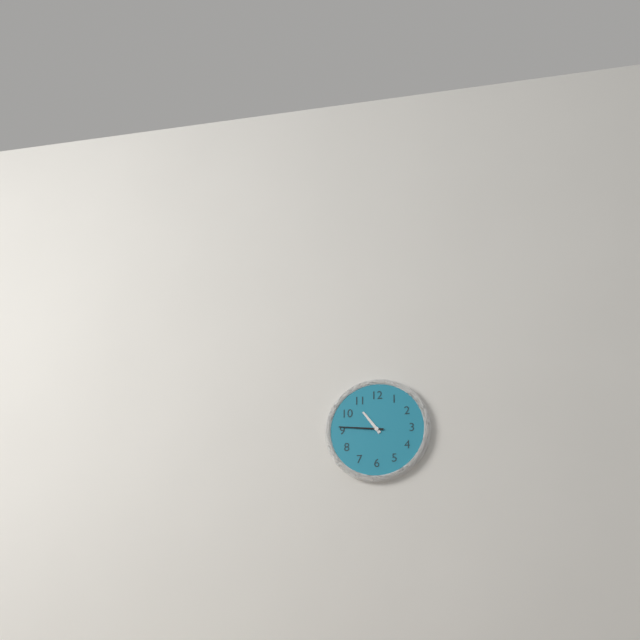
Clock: 10:46
